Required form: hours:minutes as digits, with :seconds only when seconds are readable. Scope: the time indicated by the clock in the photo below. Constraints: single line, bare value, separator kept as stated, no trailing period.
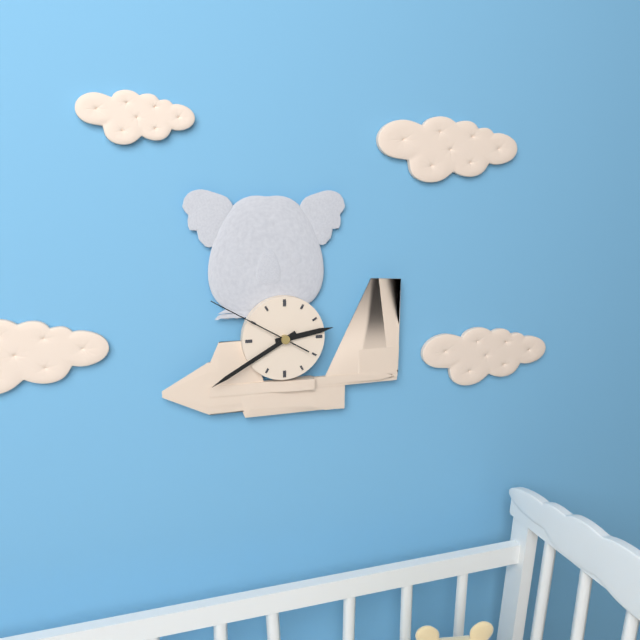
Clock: 2:40:50
